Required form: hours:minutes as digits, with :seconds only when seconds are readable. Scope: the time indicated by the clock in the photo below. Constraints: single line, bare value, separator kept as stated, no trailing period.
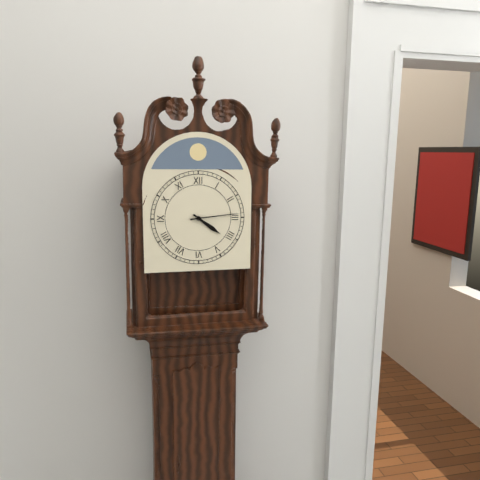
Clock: 4:14
